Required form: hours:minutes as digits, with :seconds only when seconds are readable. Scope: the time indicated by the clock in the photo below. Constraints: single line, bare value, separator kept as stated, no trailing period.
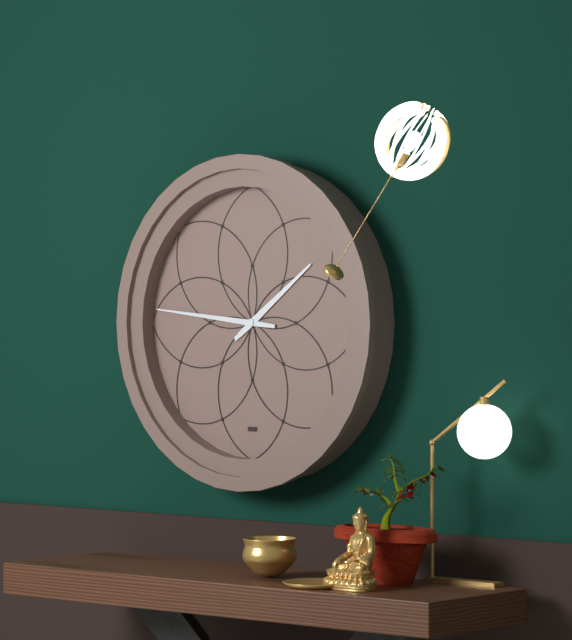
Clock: 1:46
